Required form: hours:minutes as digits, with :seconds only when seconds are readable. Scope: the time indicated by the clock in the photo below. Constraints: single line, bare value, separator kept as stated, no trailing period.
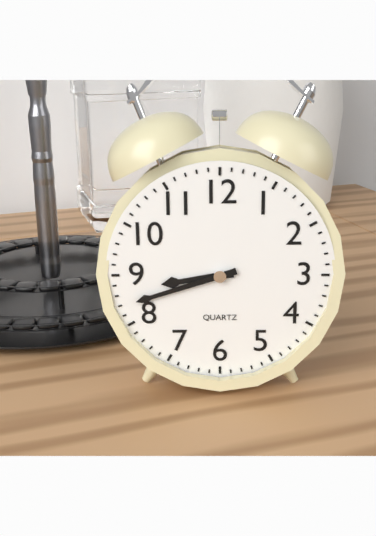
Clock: 8:42
